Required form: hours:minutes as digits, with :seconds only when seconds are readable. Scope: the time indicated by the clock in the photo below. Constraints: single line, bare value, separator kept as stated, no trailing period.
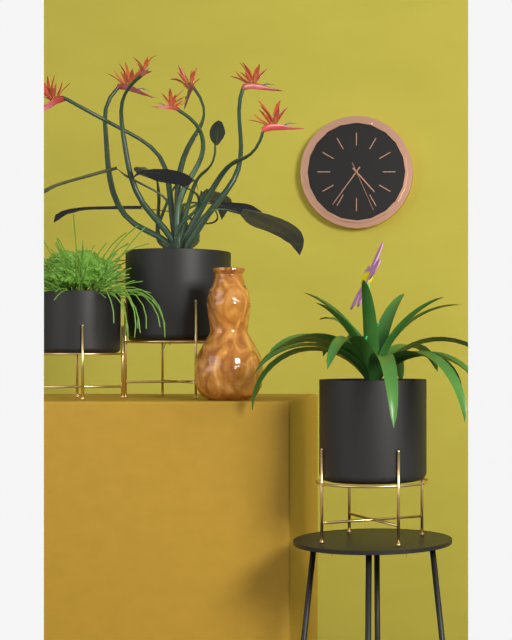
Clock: 4:36:26
